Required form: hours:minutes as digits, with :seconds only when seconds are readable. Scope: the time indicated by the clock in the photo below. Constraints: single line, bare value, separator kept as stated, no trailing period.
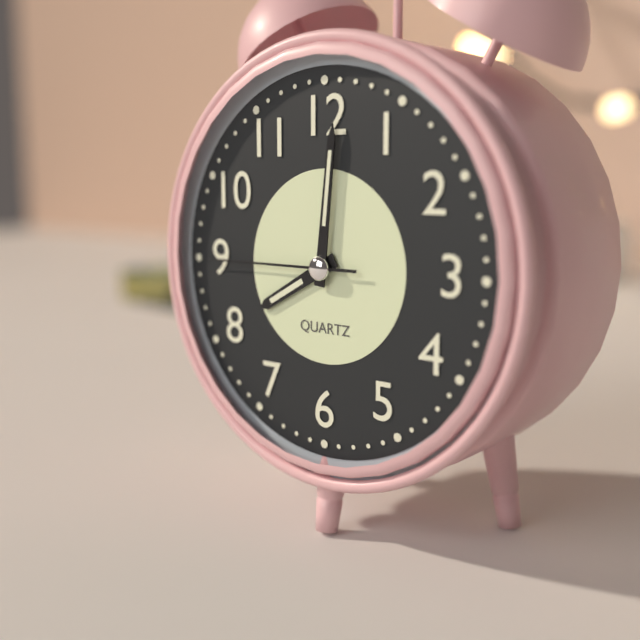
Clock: 8:01:45
